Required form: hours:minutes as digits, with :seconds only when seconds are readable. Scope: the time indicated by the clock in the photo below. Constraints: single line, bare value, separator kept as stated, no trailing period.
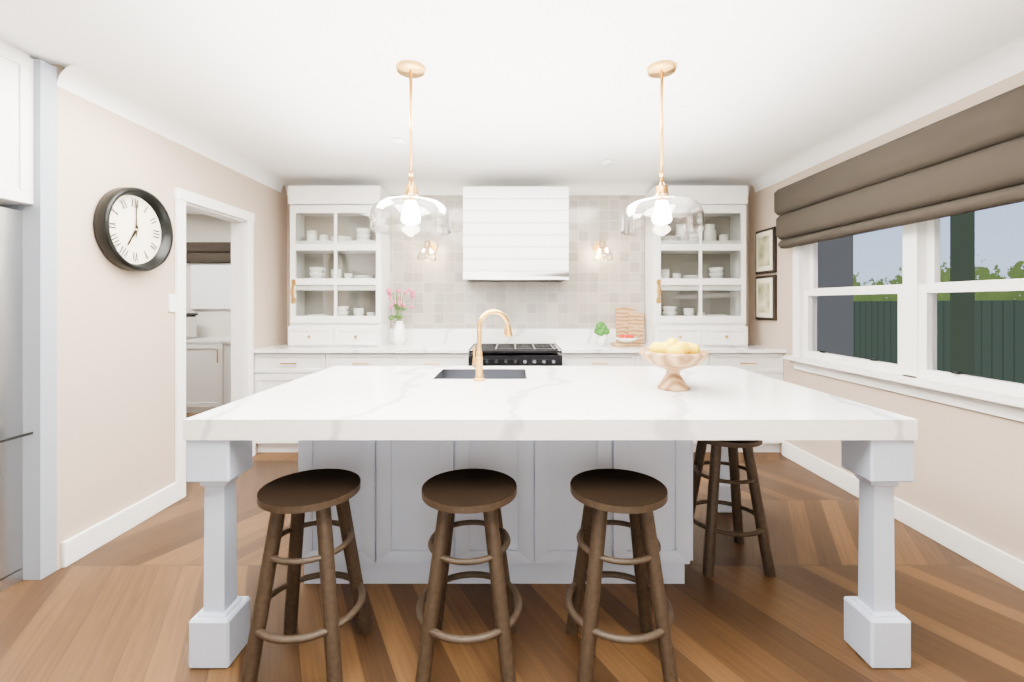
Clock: 7:00
